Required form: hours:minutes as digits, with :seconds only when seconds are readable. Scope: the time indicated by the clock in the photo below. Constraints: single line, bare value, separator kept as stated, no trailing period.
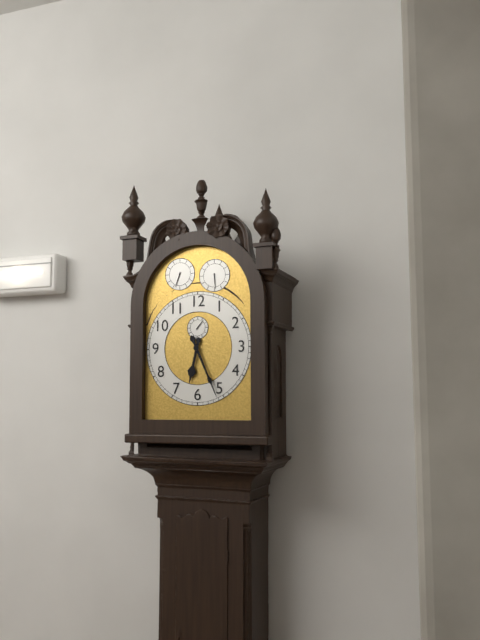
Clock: 6:26
